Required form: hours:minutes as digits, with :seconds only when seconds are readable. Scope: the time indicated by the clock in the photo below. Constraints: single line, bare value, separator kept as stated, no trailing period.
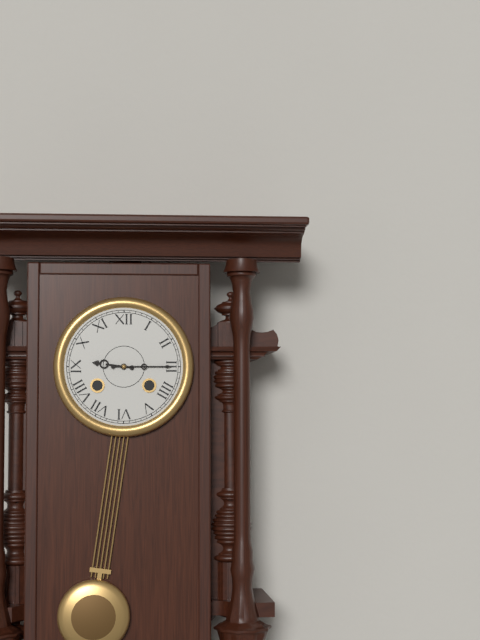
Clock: 9:15
